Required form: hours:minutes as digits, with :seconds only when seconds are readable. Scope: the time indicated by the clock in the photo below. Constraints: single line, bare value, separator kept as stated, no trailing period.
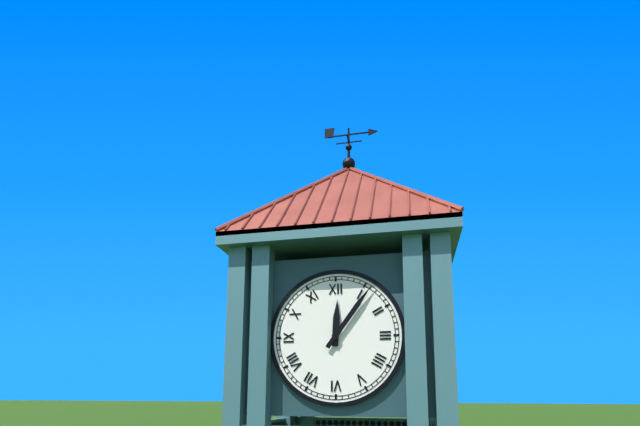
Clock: 12:06
